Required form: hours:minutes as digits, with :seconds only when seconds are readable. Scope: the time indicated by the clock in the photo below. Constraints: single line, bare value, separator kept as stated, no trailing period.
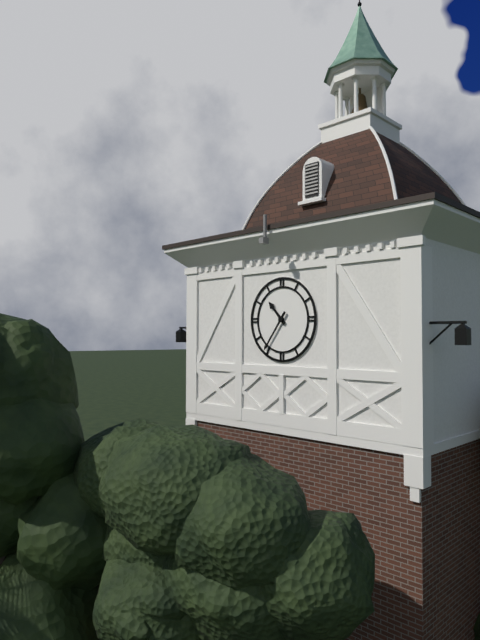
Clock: 10:36
